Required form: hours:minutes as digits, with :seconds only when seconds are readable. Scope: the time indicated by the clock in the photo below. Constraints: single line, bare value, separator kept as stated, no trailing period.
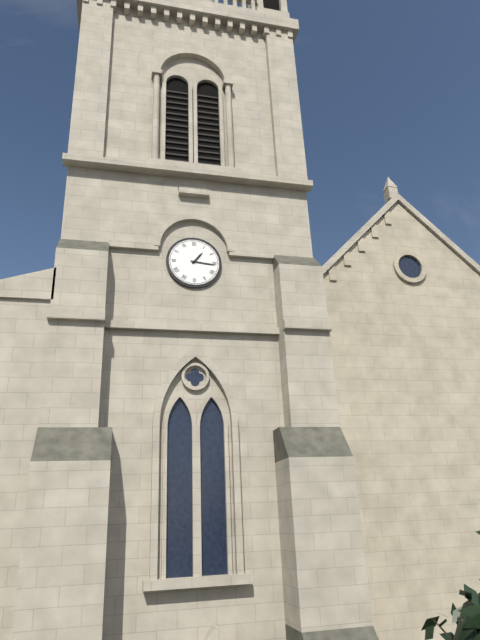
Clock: 1:16
